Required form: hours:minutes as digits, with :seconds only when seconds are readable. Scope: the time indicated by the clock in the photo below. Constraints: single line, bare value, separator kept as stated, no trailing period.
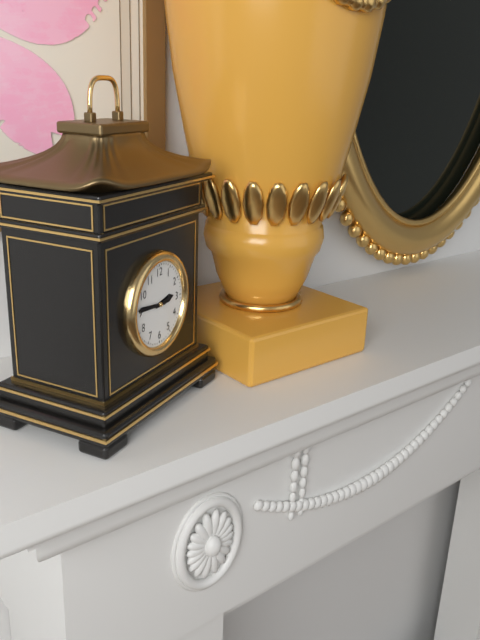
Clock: 2:46
